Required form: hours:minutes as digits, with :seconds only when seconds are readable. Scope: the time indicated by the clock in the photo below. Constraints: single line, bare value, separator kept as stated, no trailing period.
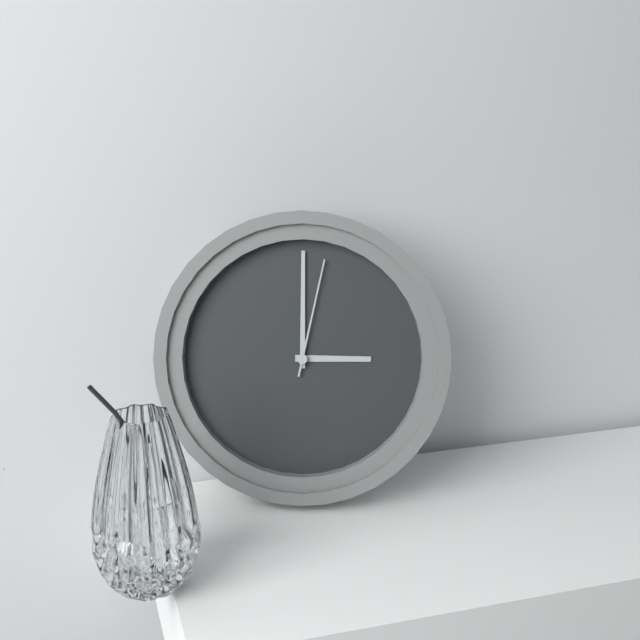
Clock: 3:00:02
